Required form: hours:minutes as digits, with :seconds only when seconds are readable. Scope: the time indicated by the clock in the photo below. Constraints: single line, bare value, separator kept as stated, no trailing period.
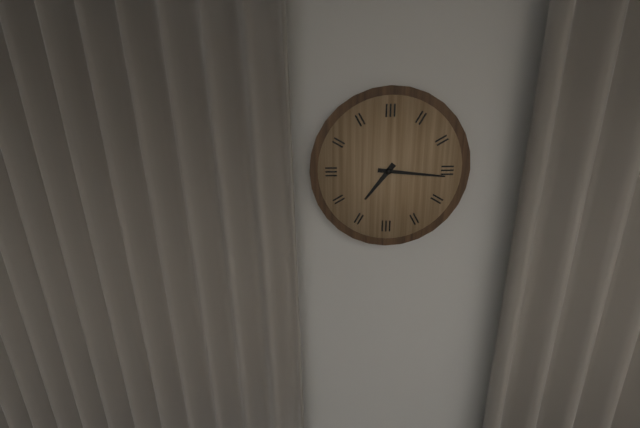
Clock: 7:16
